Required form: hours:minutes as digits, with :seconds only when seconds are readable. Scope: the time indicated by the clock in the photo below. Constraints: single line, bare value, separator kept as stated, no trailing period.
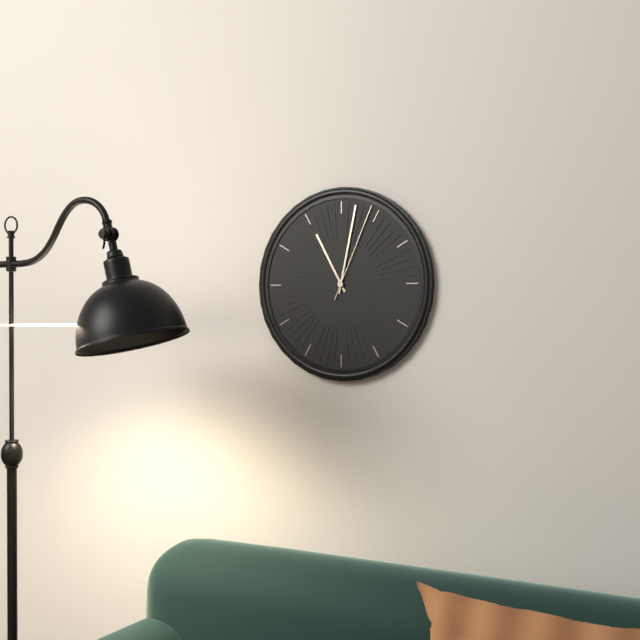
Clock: 11:02:04
